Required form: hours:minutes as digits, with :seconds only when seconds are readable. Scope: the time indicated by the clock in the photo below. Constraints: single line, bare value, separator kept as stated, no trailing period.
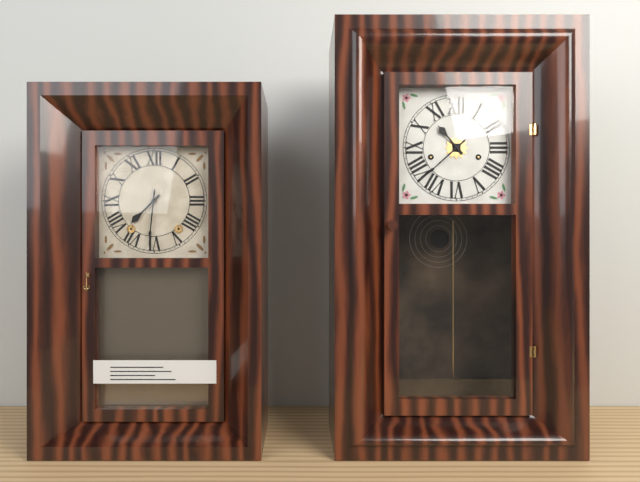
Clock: 7:31
